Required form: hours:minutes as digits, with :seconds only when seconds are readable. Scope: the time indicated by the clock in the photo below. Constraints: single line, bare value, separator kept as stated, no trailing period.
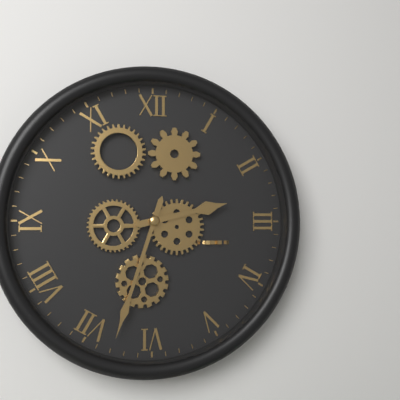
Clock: 2:33
